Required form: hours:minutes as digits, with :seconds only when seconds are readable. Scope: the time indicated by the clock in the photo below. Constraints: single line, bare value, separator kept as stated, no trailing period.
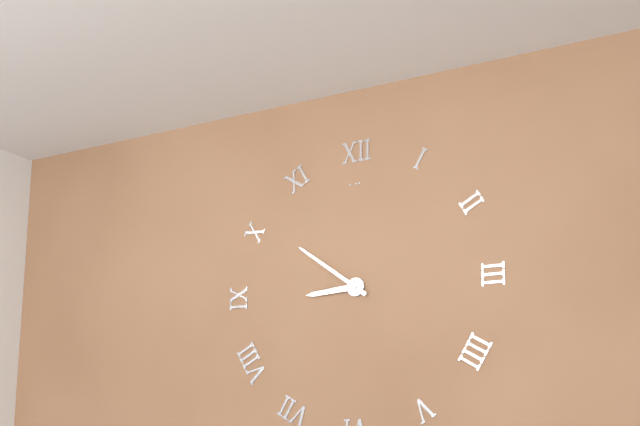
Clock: 8:51
